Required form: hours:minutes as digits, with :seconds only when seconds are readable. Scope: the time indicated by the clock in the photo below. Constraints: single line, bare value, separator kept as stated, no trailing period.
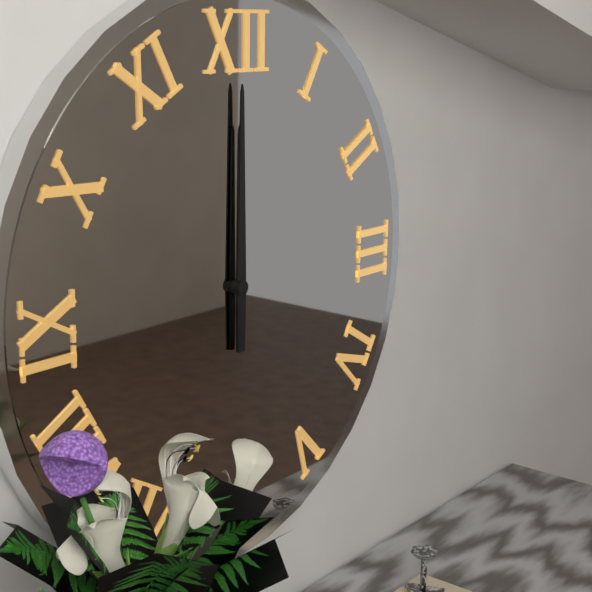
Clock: 12:00
